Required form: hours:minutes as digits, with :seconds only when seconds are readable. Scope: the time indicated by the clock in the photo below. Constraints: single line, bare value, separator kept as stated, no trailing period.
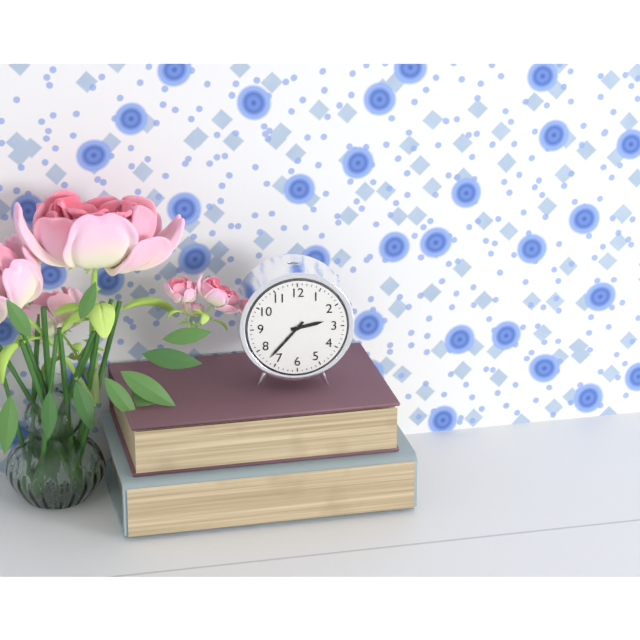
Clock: 2:37
